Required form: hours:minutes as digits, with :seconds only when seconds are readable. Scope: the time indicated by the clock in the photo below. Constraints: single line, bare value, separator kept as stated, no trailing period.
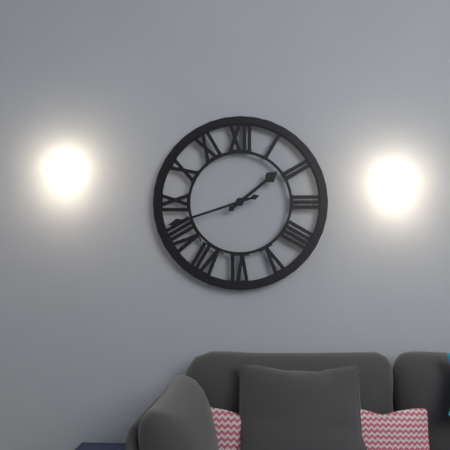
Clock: 1:42
